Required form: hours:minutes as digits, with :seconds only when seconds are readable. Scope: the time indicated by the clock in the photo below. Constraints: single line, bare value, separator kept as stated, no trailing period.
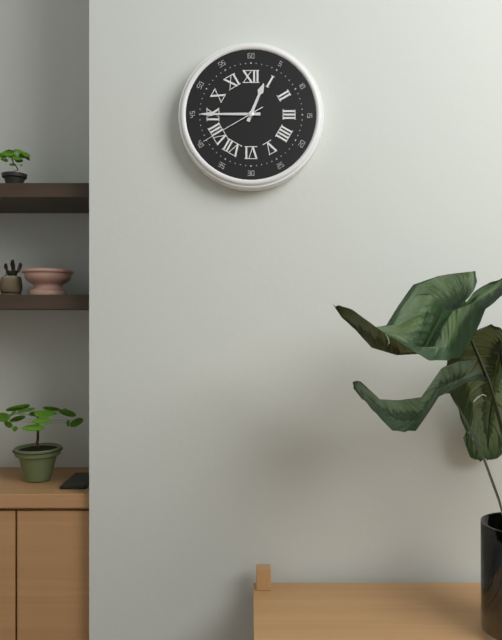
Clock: 12:45:40
